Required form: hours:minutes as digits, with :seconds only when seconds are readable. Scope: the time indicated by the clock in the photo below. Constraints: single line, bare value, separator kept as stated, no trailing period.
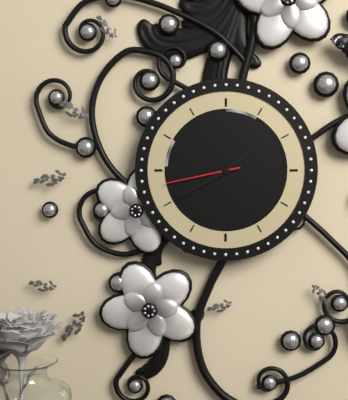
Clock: 1:40:43
